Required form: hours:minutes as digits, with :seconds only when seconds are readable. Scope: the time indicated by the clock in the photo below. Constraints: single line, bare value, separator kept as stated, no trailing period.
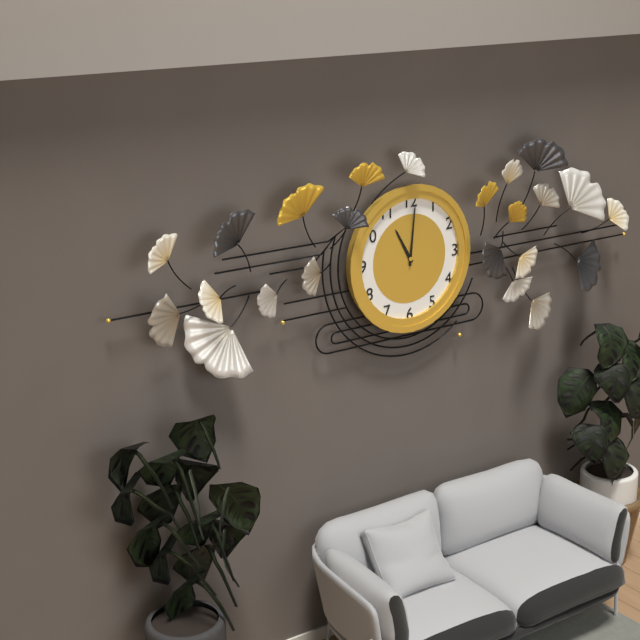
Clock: 11:01
